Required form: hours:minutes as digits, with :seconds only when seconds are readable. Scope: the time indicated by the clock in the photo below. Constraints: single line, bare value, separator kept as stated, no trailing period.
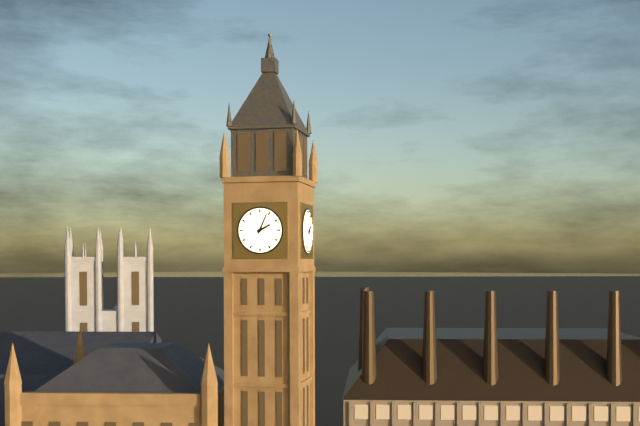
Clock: 2:04
